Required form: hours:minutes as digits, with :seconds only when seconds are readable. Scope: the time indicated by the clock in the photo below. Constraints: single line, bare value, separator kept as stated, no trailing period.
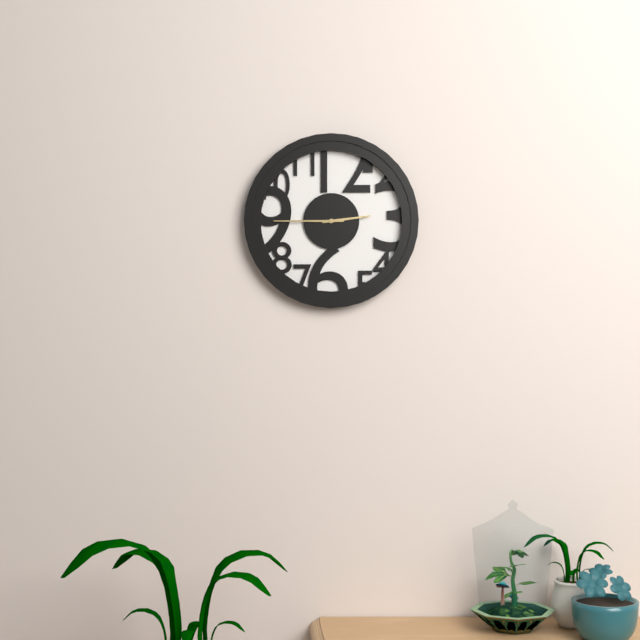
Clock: 2:45
